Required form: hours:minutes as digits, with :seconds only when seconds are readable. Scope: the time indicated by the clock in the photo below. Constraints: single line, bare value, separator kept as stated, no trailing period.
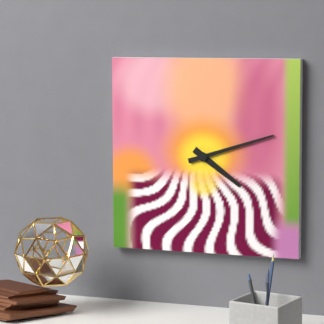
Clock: 4:12
